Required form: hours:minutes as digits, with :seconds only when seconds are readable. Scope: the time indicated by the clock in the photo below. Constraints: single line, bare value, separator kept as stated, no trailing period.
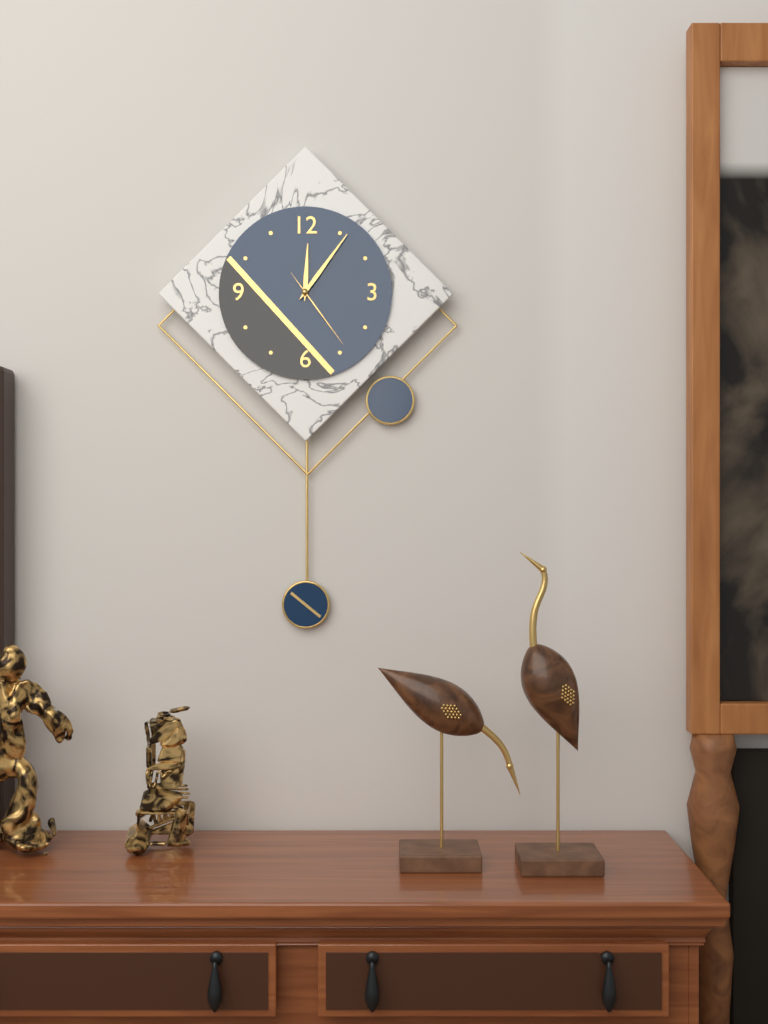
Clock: 12:06:24
